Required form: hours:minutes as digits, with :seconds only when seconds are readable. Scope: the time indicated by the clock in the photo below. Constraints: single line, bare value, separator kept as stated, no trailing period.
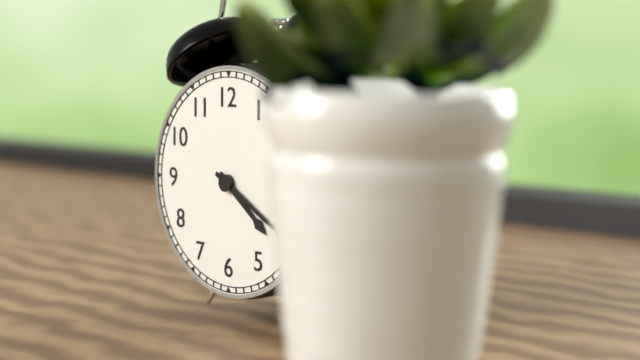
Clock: 4:20
